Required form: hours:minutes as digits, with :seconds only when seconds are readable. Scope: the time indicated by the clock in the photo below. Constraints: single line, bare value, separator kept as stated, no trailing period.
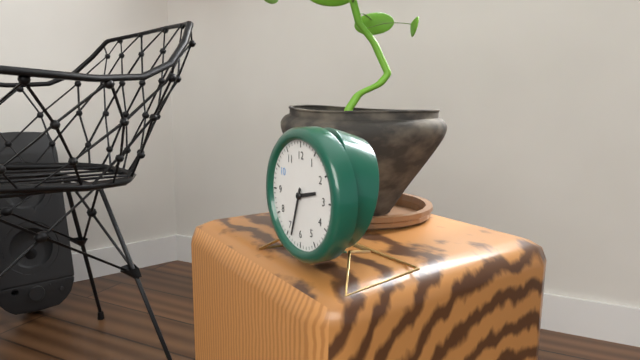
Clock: 2:33
